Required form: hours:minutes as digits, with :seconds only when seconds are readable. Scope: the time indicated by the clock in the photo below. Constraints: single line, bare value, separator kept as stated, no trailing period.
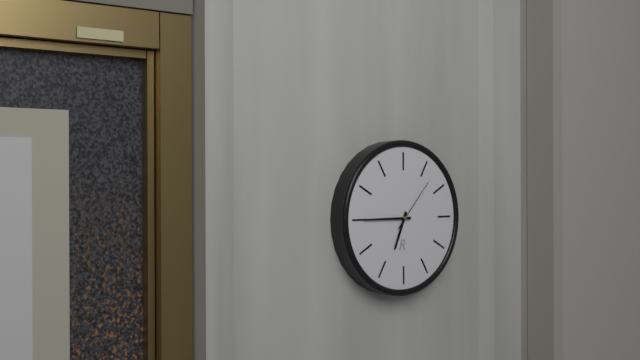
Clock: 6:45:07
